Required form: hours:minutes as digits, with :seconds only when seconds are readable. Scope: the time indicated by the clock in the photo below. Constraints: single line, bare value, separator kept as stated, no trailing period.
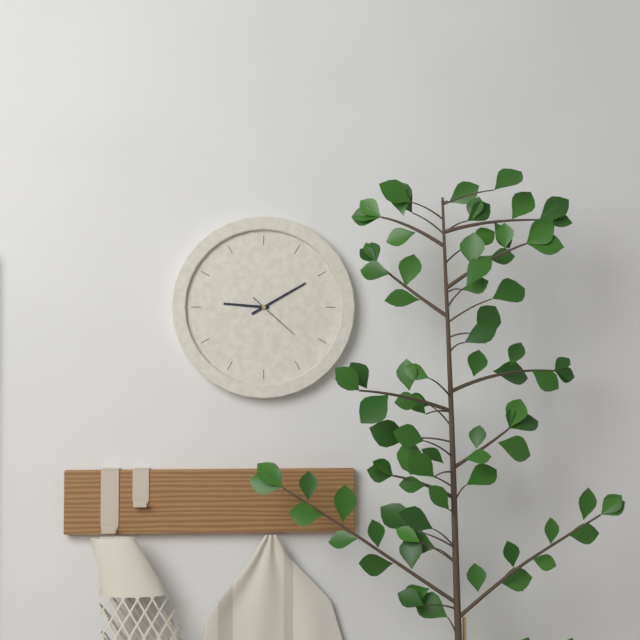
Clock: 9:10:22
